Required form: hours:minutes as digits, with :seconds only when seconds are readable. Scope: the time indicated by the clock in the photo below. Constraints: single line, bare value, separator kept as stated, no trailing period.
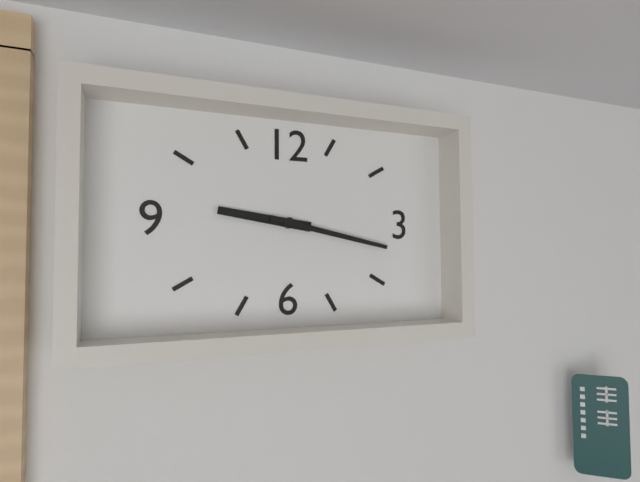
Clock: 9:17
